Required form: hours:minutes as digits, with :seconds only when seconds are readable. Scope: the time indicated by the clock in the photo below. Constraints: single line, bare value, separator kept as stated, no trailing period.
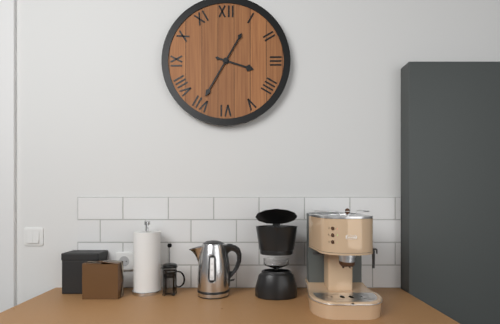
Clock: 3:35
